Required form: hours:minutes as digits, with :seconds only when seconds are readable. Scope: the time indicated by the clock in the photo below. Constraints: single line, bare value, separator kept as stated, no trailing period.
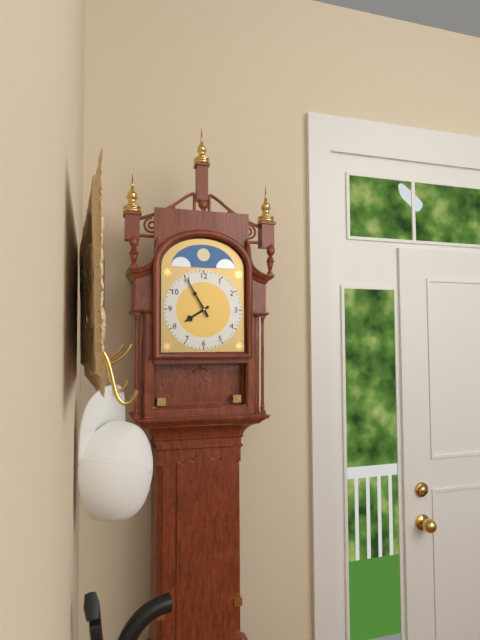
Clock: 7:55
